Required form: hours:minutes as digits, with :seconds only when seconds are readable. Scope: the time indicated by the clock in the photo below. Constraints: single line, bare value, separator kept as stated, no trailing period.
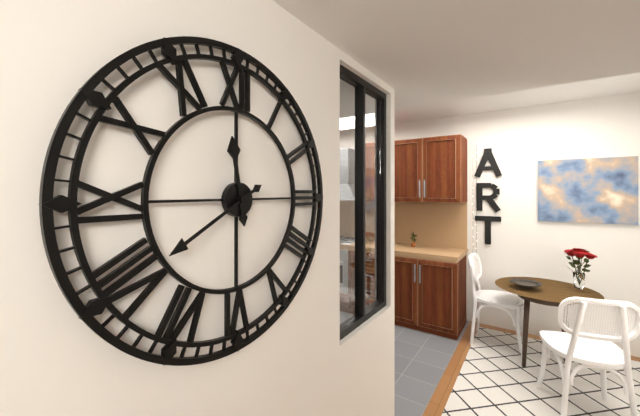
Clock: 11:40
